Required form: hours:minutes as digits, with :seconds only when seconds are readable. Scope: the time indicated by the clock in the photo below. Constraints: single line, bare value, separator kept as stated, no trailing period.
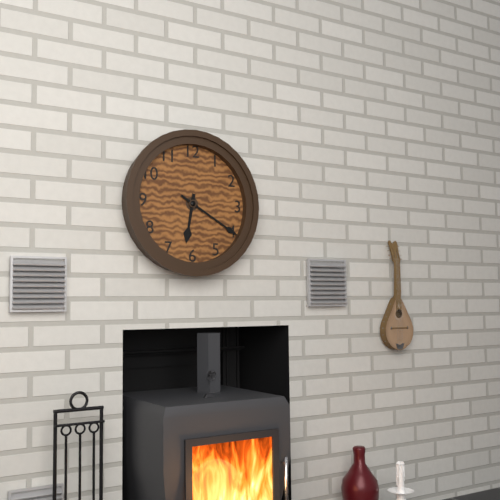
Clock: 6:20
